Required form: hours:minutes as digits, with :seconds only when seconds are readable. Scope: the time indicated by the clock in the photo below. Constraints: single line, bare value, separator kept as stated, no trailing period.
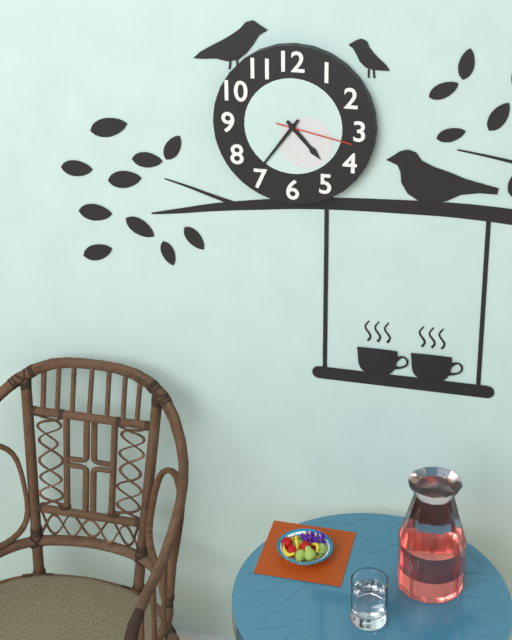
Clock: 4:36:17
